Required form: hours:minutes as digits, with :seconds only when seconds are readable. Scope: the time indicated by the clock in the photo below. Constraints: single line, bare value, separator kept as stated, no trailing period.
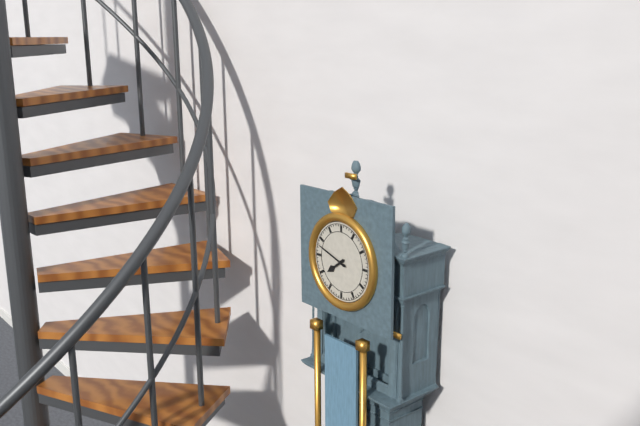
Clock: 7:48
